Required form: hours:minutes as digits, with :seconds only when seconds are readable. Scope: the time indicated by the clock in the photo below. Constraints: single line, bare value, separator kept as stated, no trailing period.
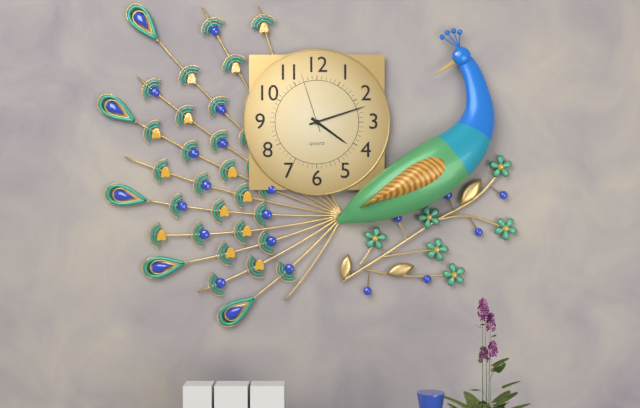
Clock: 4:12:57
